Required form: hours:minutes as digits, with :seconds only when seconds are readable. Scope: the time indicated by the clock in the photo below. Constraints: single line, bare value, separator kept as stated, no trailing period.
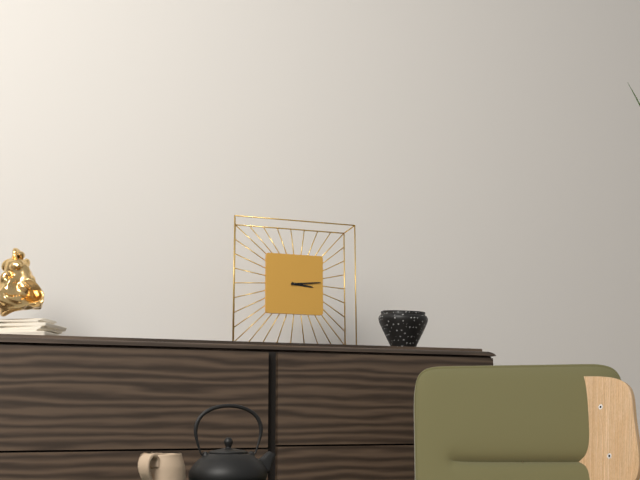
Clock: 3:14
